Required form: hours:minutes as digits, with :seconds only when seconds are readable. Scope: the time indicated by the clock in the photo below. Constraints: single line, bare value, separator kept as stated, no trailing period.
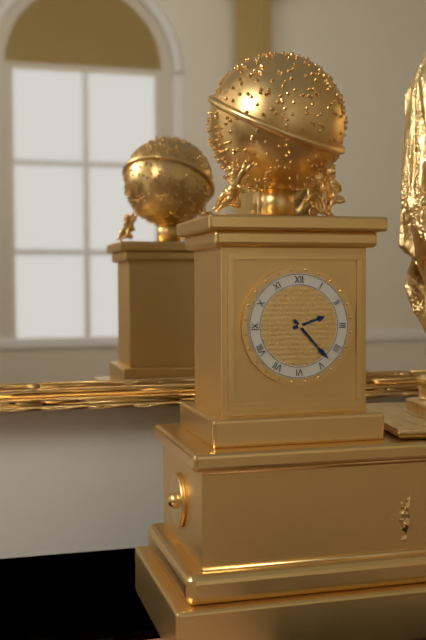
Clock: 2:23
